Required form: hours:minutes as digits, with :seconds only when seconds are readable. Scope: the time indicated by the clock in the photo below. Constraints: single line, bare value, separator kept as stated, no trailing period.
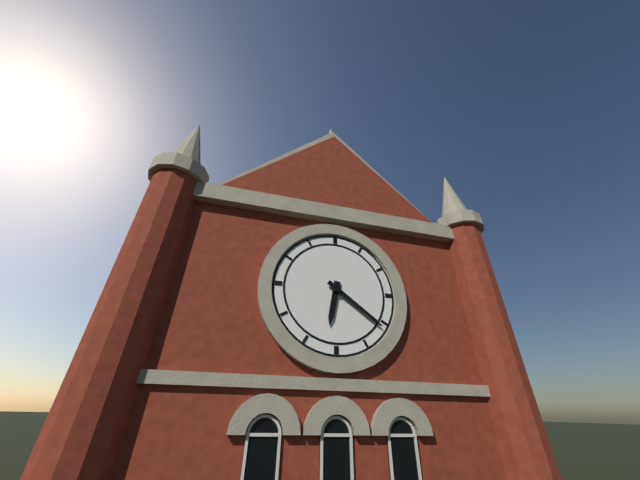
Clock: 6:21
